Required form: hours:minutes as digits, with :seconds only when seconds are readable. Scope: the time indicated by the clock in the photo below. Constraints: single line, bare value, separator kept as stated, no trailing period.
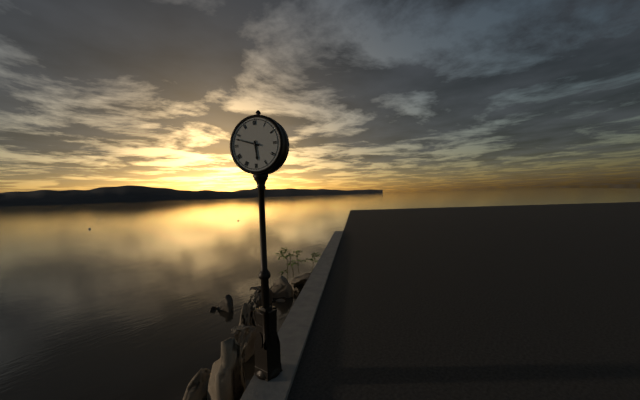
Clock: 5:48
